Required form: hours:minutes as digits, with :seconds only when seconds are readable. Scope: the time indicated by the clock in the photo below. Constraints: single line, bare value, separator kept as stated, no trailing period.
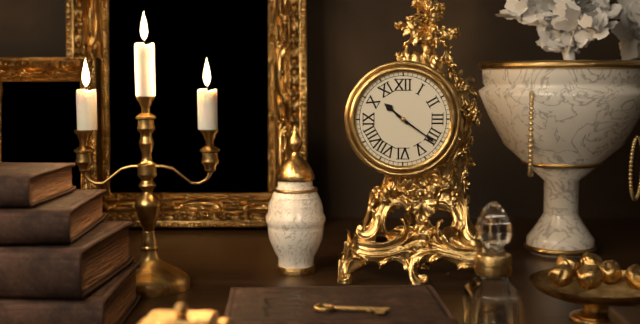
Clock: 10:21
